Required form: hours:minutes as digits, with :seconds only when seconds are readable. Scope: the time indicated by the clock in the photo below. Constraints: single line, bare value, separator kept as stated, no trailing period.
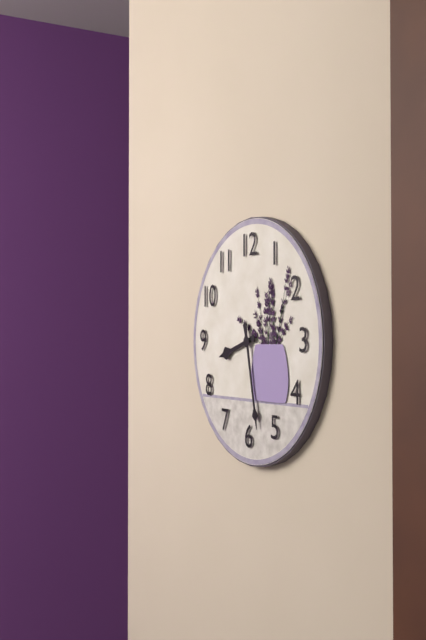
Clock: 8:28
